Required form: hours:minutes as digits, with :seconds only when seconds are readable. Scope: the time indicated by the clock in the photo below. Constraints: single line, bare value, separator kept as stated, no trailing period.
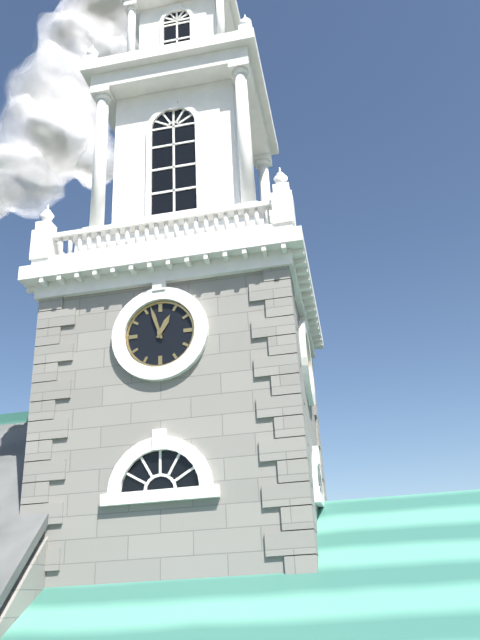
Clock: 12:57
